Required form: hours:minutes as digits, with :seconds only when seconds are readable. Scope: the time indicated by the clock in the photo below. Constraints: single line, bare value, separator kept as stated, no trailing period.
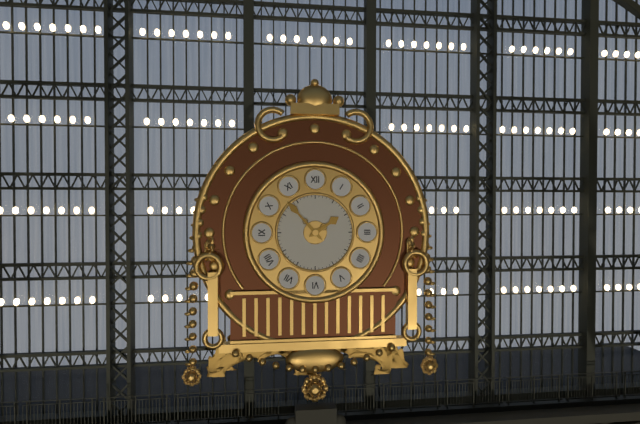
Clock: 1:53
